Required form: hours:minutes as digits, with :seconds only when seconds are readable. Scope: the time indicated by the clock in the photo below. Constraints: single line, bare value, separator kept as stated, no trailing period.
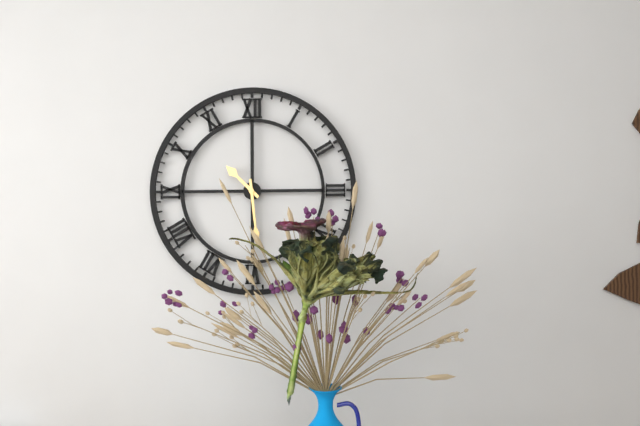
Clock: 10:29
